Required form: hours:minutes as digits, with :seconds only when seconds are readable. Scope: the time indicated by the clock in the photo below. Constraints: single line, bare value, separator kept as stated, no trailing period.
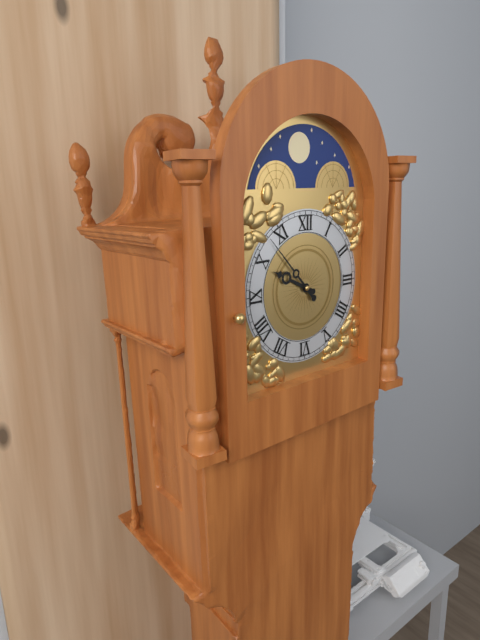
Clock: 9:53
